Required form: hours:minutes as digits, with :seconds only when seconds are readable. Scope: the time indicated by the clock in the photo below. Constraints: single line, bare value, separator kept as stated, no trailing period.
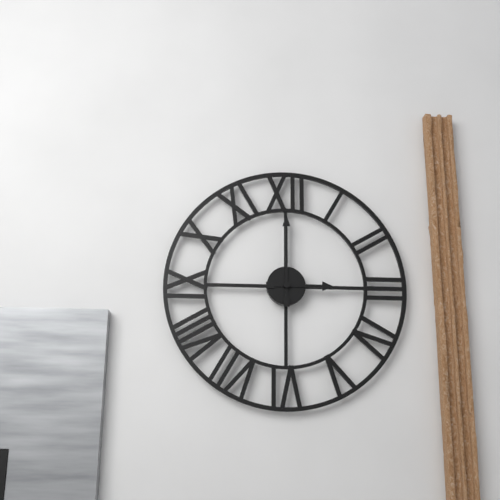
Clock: 3:00
